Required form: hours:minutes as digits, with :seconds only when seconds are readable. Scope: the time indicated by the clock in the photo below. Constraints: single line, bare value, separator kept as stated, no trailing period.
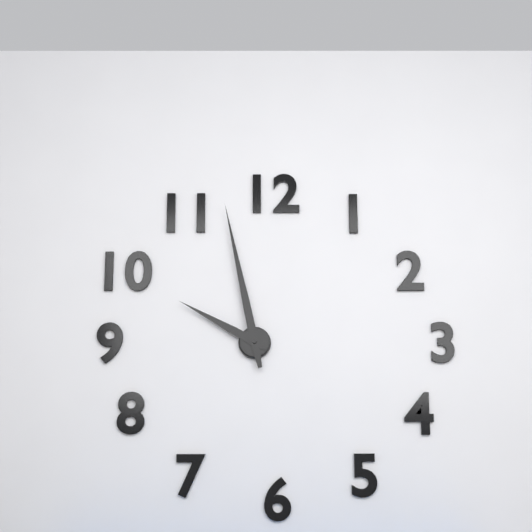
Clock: 9:58
